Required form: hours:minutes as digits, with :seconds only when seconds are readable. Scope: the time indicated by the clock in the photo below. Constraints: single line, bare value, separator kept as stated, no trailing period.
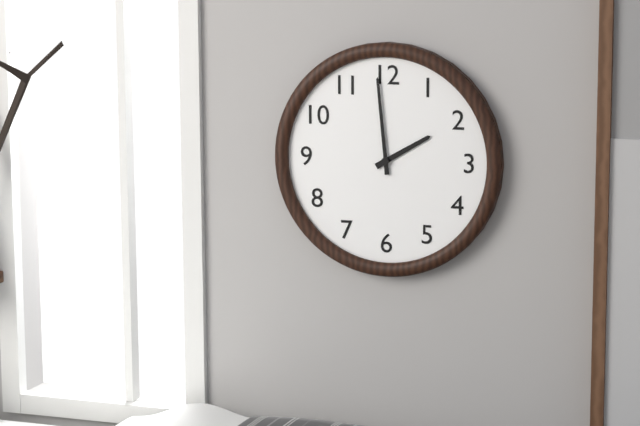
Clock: 1:59
